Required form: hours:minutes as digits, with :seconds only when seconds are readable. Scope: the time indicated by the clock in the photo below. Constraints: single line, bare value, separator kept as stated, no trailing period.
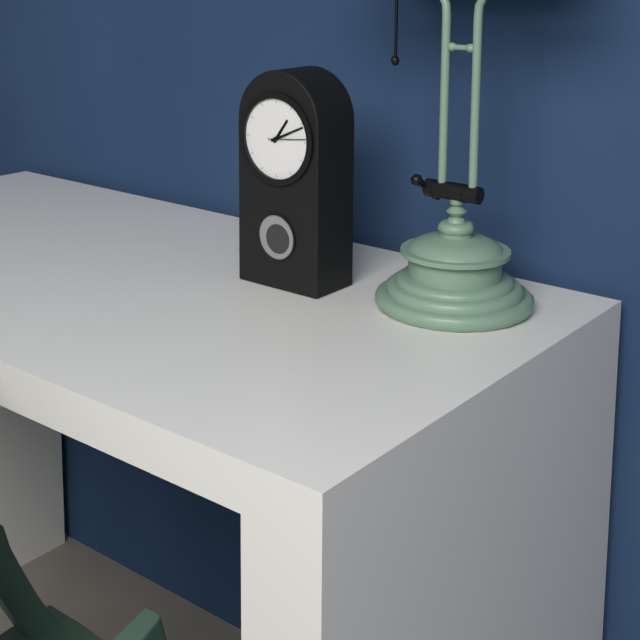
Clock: 1:11
